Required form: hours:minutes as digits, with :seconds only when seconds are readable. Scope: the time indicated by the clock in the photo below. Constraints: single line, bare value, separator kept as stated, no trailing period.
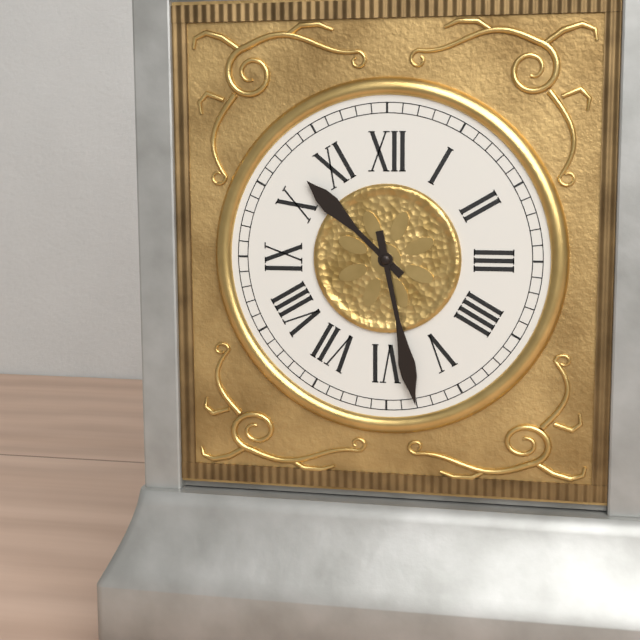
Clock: 10:28
